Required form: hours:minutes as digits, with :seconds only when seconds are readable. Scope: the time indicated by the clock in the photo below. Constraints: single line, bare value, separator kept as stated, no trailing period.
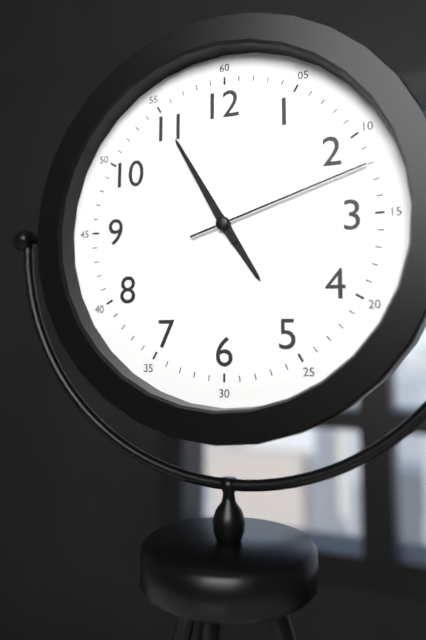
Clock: 4:55:12
